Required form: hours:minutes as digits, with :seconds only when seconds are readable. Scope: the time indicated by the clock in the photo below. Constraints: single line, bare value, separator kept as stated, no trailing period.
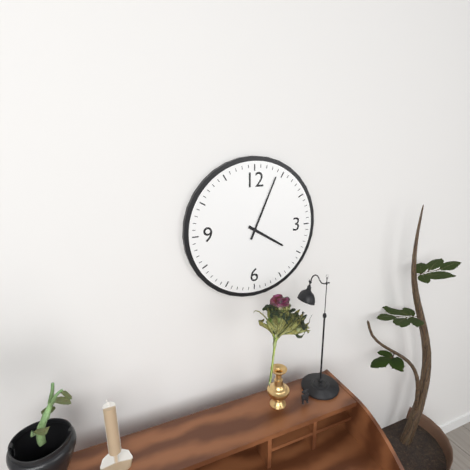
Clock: 4:04
